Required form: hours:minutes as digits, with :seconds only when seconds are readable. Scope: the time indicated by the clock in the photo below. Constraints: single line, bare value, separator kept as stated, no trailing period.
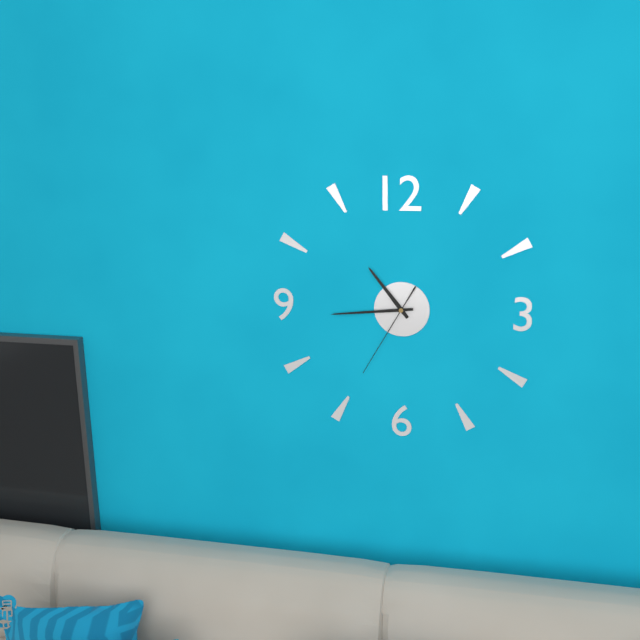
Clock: 10:44:35
